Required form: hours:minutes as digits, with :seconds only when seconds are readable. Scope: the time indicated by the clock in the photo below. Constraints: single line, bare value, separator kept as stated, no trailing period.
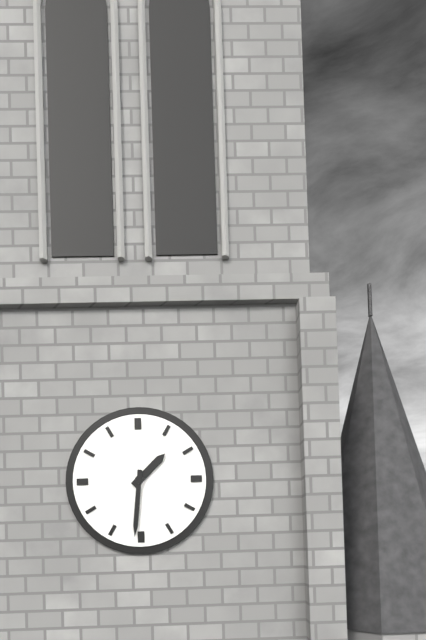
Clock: 1:31
